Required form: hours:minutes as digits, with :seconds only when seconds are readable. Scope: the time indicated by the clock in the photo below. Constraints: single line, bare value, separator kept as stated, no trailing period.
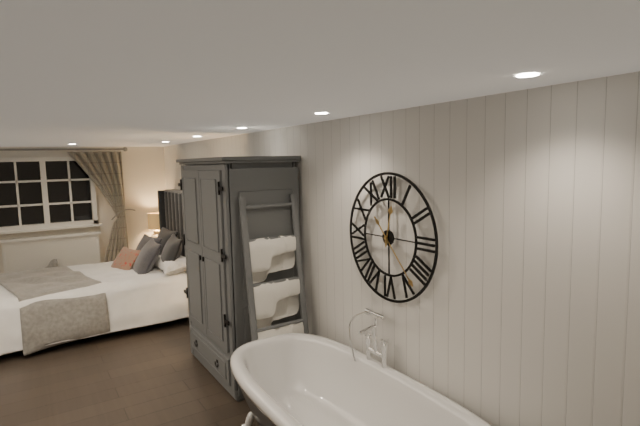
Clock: 12:23
